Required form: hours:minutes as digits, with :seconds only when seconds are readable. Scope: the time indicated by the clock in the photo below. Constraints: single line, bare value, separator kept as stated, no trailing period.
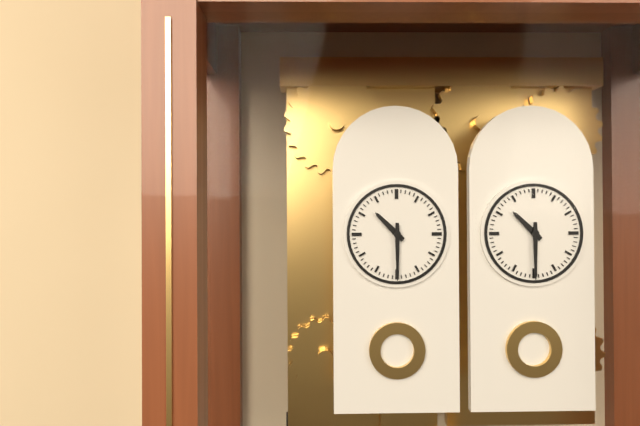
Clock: 10:30
